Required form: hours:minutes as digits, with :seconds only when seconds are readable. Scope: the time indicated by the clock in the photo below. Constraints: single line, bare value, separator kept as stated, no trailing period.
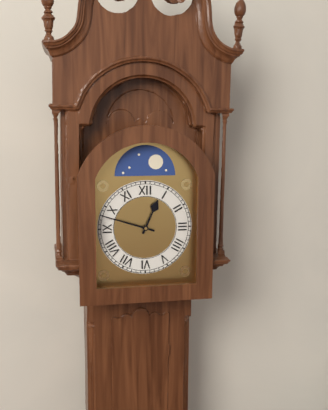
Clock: 12:48
